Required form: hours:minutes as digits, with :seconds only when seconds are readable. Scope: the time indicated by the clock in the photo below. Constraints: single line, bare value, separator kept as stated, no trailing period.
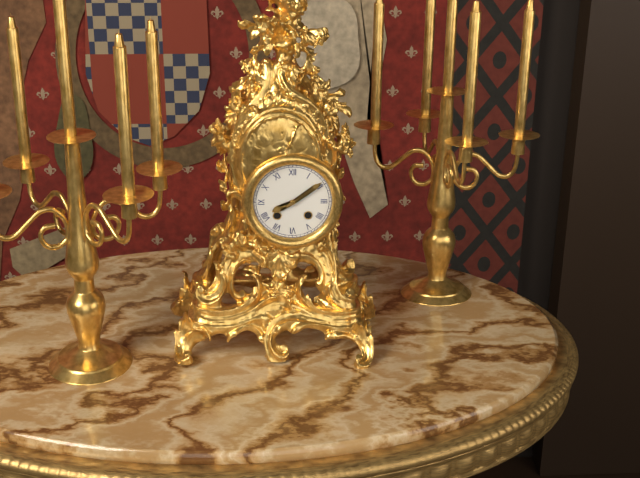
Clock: 8:09
